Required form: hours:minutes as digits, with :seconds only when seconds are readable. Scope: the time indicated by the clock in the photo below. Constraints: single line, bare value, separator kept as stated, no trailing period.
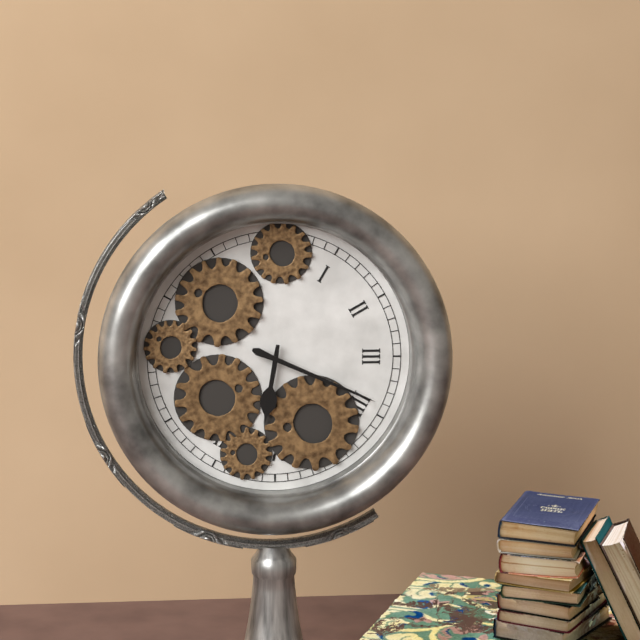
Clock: 6:19
